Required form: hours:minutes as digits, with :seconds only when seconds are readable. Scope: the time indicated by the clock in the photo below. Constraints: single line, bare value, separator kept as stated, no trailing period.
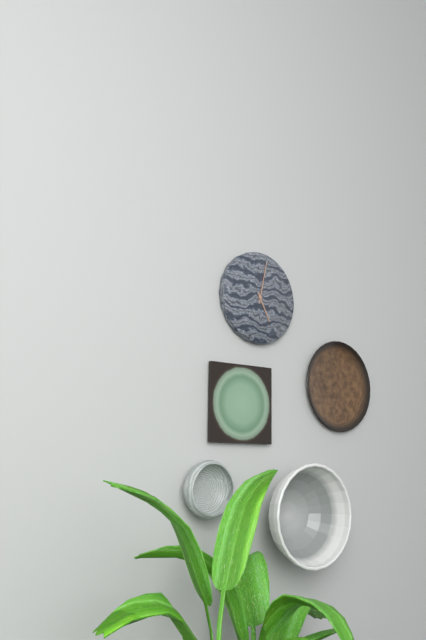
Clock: 5:02
